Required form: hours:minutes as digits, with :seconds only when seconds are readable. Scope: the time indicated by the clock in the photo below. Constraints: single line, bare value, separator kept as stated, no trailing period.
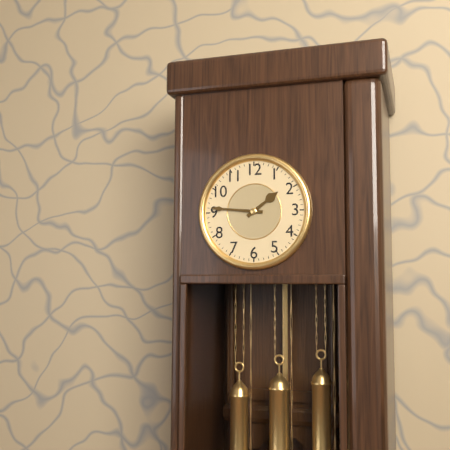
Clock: 1:46
